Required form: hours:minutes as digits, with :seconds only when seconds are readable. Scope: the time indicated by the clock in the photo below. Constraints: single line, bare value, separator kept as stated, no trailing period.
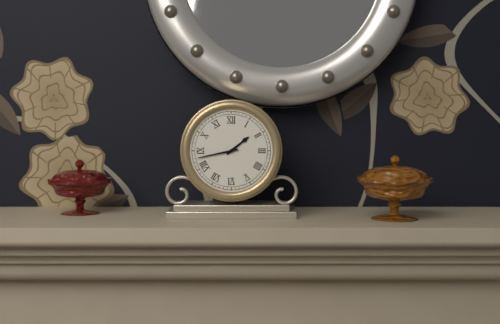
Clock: 1:43
